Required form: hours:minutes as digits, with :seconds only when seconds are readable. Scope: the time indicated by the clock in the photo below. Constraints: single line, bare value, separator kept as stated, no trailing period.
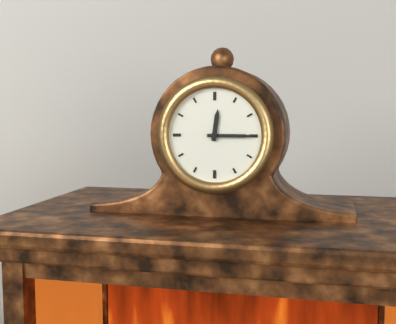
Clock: 12:15
